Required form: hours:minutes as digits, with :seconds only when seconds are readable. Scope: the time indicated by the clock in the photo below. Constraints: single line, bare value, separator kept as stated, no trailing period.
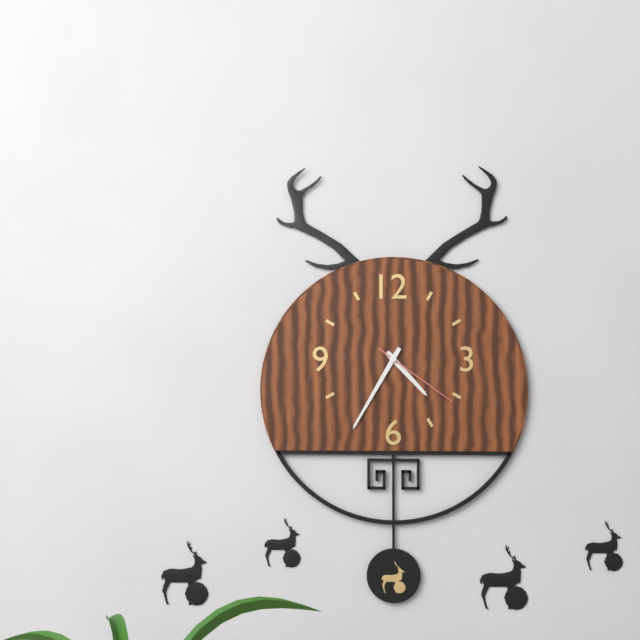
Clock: 4:35:21
